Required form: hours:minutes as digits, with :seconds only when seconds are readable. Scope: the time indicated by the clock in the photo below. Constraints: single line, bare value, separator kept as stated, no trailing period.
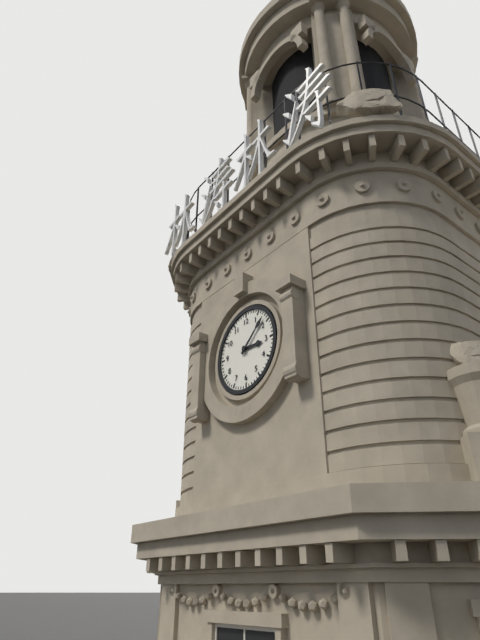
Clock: 3:08
